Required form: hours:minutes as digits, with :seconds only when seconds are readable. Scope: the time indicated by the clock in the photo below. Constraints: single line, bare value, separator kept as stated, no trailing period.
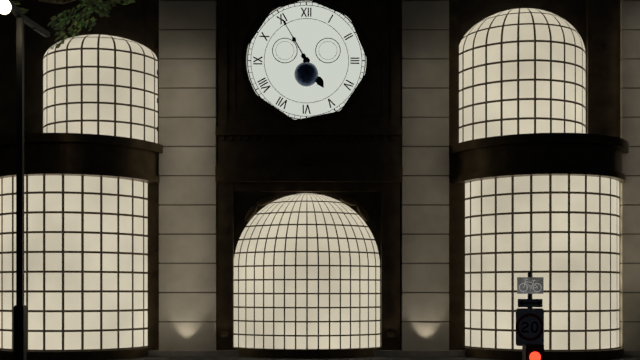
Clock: 4:55
